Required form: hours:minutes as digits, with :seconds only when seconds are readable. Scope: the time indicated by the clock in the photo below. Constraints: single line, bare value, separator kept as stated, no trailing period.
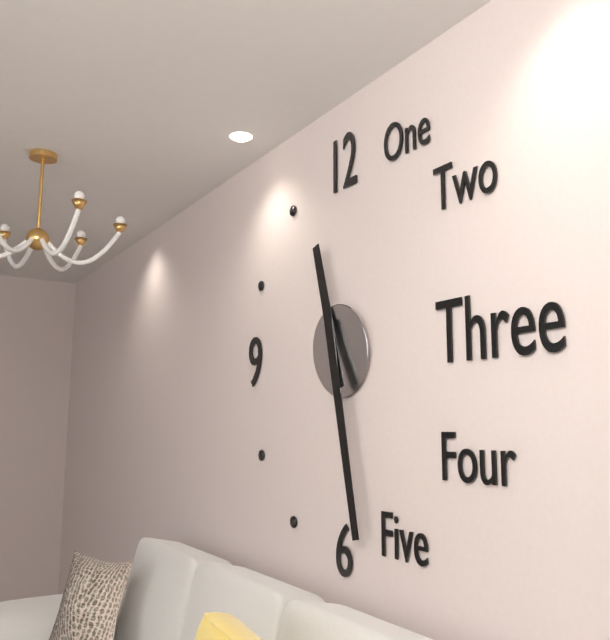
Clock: 11:28
